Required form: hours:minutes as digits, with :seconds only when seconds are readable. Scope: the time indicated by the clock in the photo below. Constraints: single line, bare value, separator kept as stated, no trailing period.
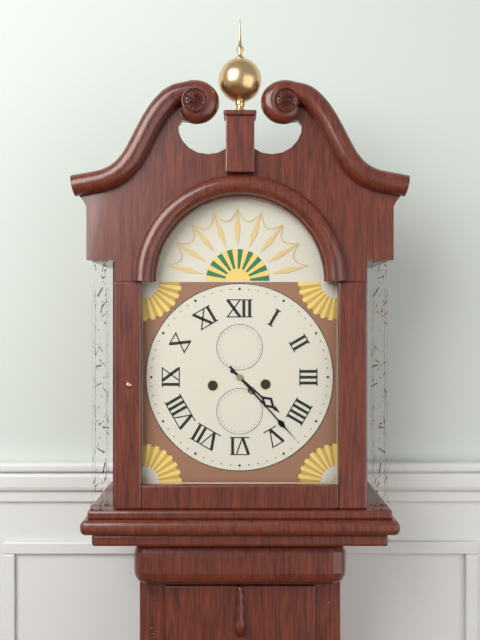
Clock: 4:23
